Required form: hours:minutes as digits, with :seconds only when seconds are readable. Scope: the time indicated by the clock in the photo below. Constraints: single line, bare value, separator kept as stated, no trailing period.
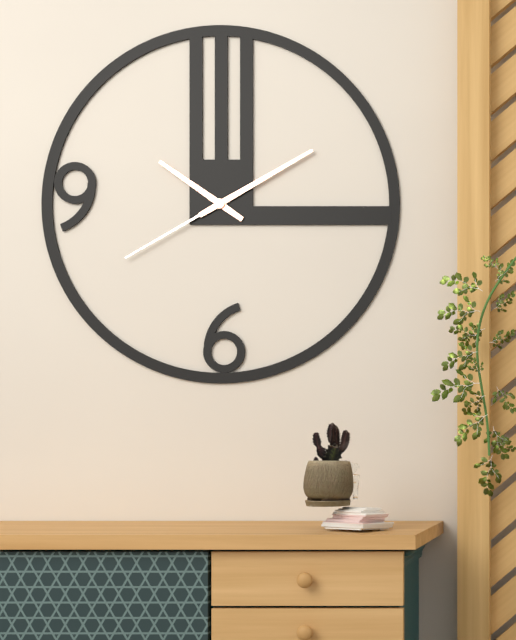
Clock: 10:10:40
